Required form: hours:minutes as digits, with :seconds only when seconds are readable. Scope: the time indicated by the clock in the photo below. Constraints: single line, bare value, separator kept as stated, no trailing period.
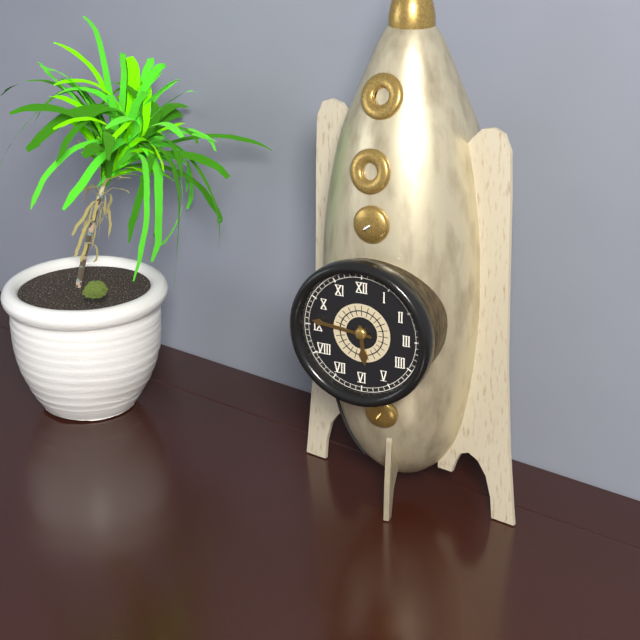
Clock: 5:46
